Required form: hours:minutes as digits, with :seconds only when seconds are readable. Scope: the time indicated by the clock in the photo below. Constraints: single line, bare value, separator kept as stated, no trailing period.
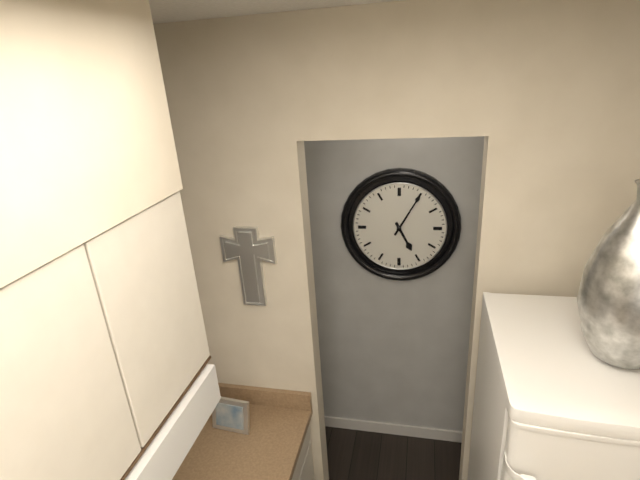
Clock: 5:05
